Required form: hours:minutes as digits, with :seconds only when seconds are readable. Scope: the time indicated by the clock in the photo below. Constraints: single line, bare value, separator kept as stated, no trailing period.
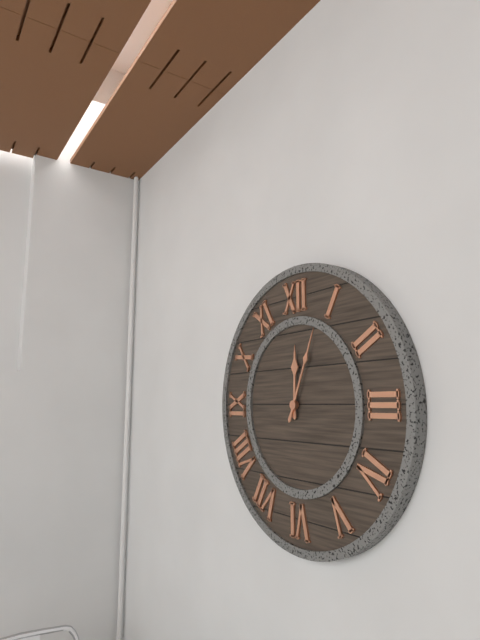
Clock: 12:04
